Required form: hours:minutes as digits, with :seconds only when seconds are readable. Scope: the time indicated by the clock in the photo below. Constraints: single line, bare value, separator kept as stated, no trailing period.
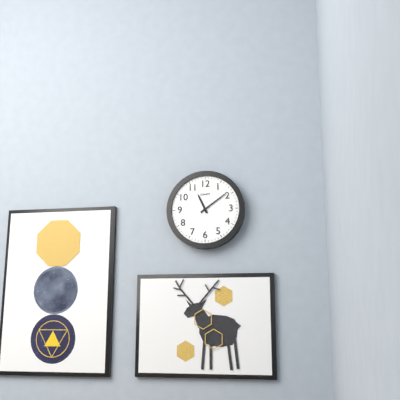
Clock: 11:09
